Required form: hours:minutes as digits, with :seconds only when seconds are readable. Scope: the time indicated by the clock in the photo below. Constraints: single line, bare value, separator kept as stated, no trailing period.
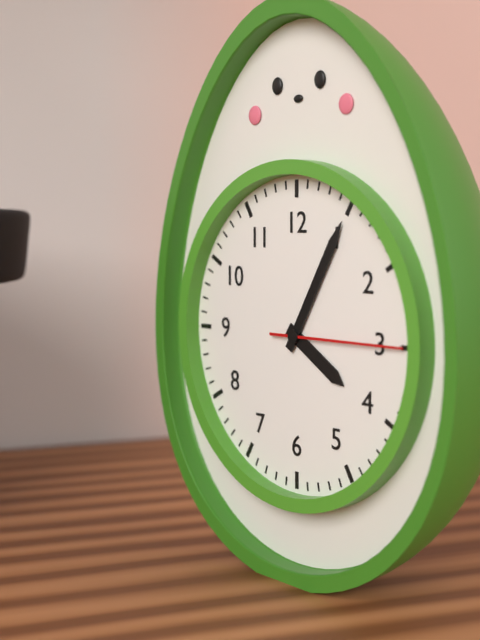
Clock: 4:05:15
